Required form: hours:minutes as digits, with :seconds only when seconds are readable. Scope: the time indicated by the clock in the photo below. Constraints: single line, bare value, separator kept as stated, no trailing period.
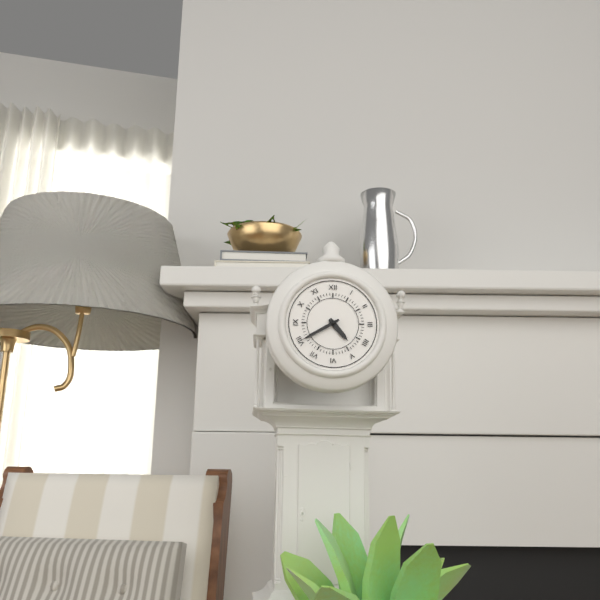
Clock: 4:40
